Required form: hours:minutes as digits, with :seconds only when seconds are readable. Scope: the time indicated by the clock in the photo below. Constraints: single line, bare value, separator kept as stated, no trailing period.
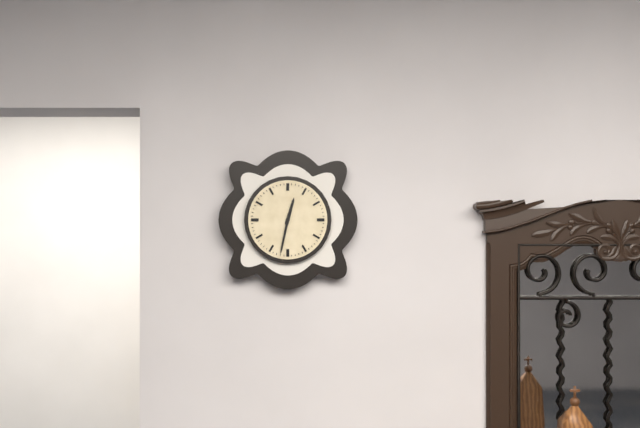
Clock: 12:32
